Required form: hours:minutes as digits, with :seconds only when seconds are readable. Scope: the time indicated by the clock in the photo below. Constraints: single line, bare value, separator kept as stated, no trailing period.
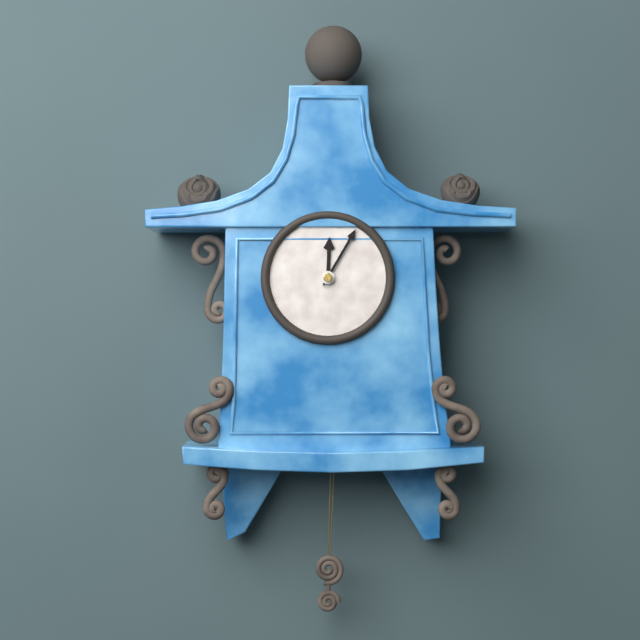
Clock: 12:05
